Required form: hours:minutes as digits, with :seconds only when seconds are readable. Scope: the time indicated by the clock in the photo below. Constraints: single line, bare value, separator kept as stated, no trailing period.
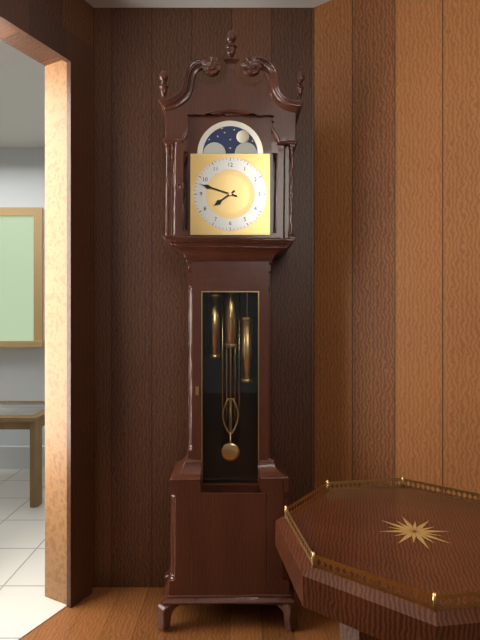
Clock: 7:48
